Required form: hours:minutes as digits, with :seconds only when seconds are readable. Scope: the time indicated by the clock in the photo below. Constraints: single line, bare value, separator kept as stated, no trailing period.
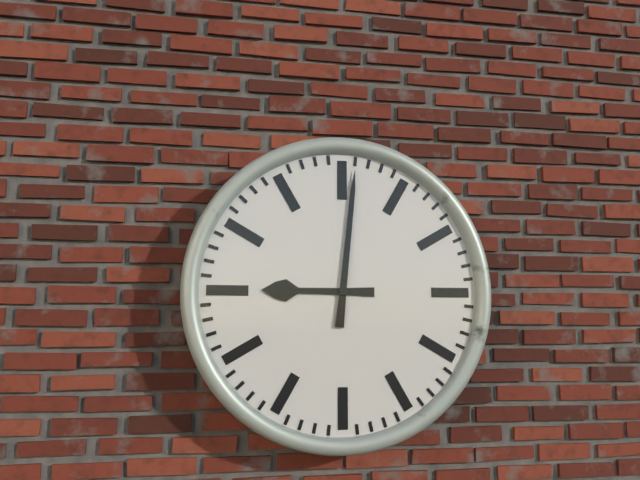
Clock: 9:01
